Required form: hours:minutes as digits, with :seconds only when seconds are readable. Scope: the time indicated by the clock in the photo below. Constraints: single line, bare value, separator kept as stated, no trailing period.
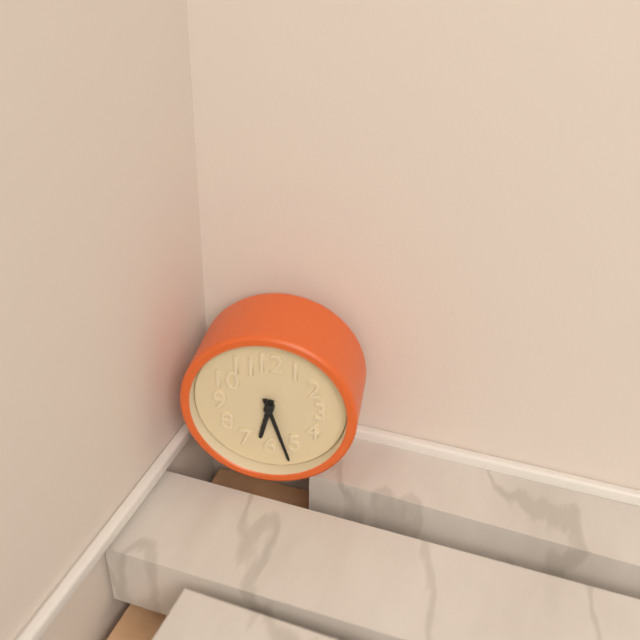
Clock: 6:27
